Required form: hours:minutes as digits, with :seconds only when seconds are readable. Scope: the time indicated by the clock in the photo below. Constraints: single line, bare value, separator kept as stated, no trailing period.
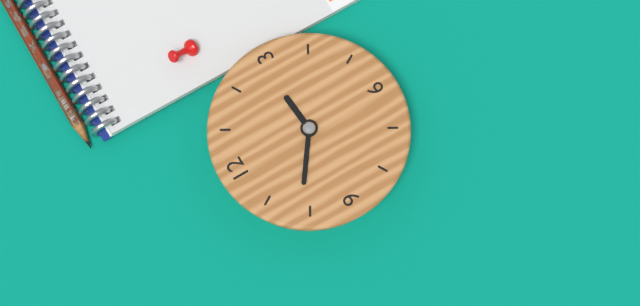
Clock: 2:51
